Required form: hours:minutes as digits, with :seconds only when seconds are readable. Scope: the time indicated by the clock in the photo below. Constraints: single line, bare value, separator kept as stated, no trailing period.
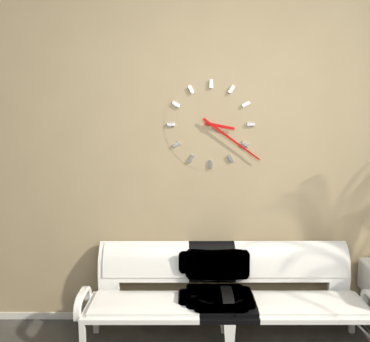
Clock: 3:21
